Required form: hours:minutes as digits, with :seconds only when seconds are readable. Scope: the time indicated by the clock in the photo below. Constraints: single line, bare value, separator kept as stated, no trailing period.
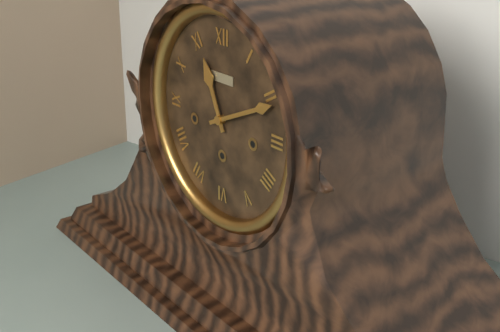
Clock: 11:11
